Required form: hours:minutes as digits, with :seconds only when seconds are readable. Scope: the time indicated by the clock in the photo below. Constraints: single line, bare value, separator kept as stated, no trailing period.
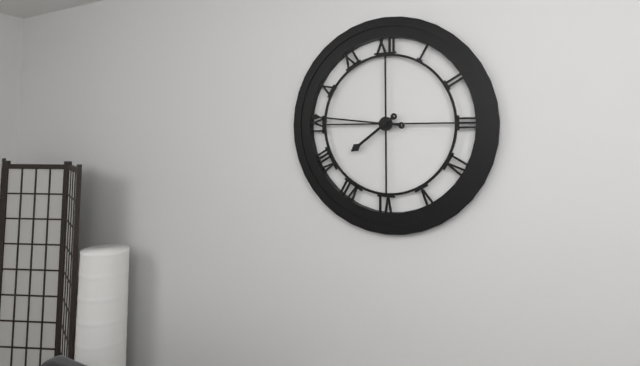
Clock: 7:46
